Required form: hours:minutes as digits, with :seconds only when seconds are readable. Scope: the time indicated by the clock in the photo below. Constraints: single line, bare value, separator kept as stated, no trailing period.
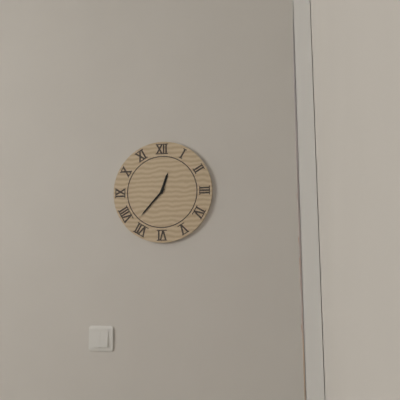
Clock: 12:37
